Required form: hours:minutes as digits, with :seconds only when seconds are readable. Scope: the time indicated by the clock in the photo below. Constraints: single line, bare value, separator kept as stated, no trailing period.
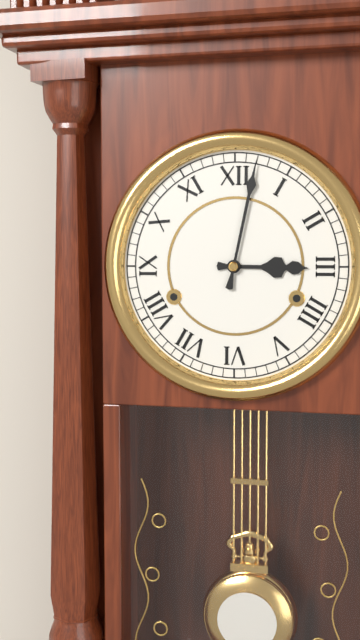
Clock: 3:02
